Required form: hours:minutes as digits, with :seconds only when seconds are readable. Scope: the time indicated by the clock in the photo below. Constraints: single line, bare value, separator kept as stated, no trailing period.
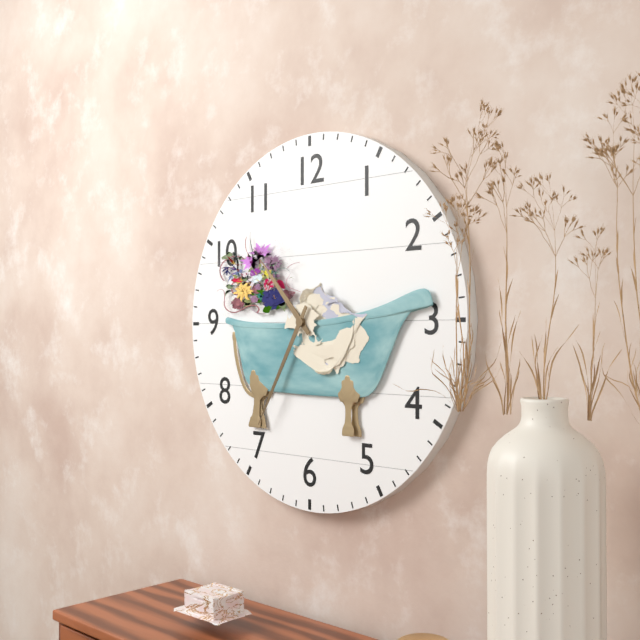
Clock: 10:35
